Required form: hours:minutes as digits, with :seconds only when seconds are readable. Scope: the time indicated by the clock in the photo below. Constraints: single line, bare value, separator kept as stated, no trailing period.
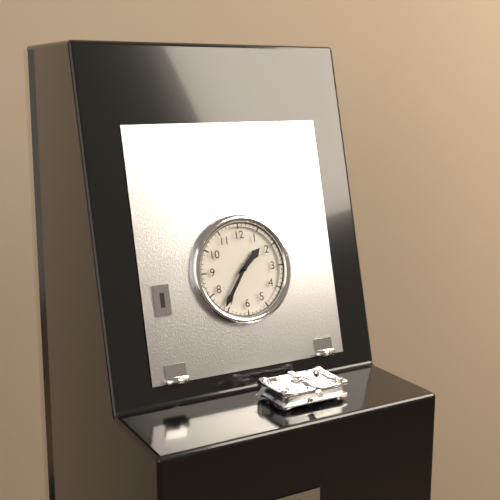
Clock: 1:36
